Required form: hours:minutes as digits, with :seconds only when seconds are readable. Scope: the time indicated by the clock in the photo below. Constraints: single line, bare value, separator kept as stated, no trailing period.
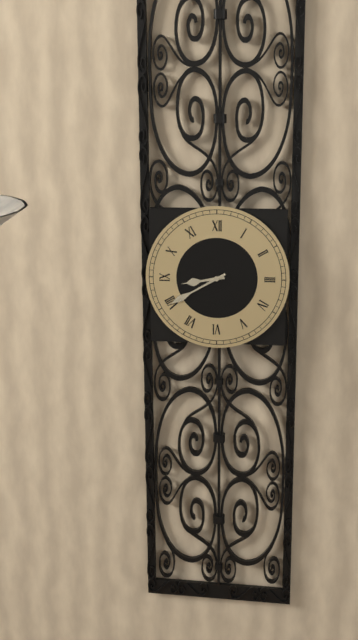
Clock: 8:40
